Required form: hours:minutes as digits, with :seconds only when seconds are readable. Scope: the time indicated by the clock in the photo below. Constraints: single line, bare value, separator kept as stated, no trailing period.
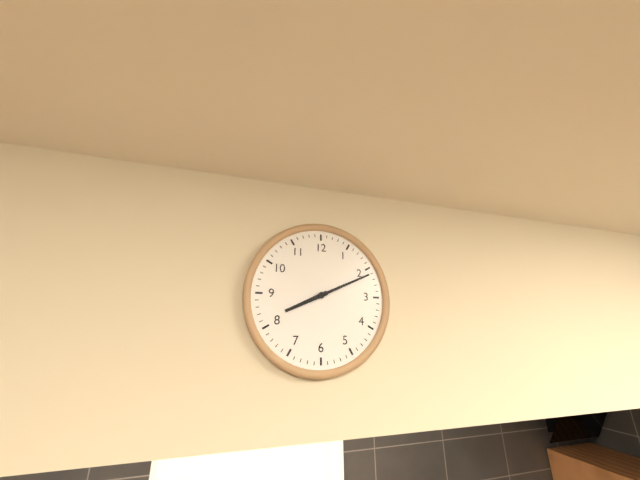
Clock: 8:11
